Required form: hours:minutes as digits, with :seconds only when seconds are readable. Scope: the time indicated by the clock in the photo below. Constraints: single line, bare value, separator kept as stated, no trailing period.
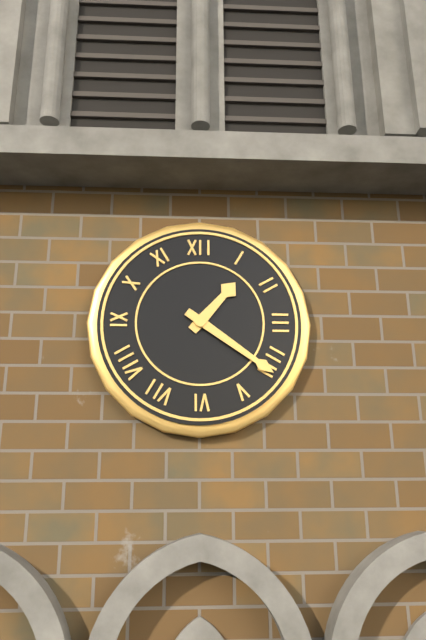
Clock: 1:21
